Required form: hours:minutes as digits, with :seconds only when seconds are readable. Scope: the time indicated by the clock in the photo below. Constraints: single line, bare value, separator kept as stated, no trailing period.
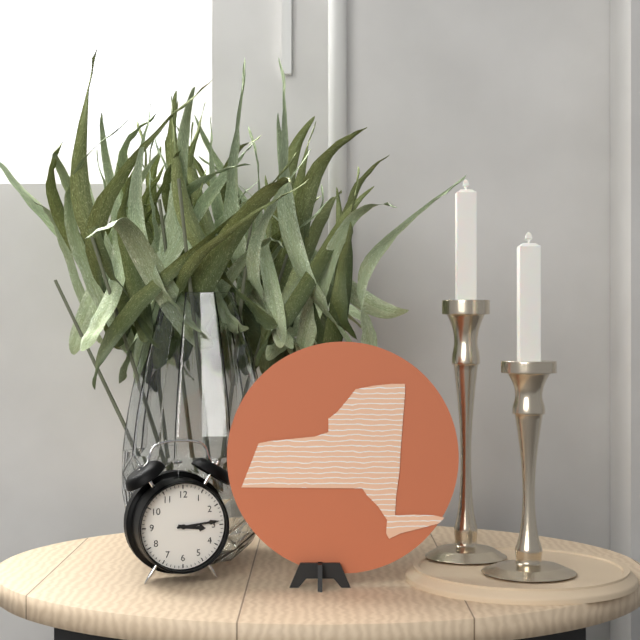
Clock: 3:14
